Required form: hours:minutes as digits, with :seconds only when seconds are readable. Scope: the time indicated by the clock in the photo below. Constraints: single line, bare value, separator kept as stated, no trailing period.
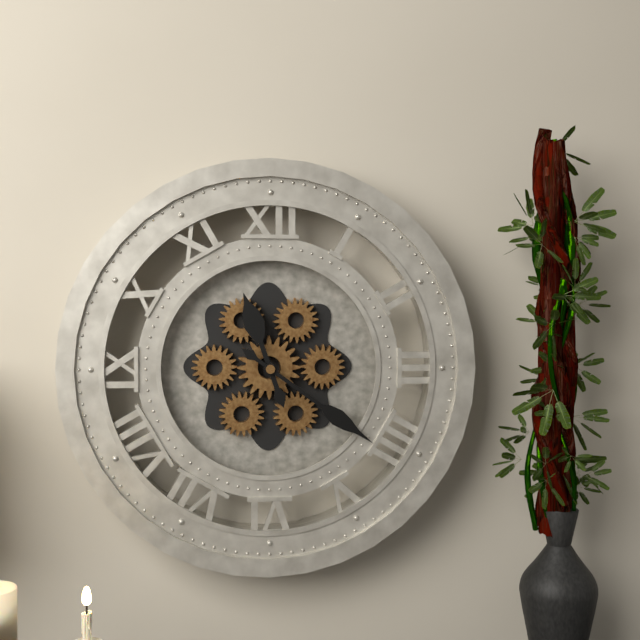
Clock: 11:21
